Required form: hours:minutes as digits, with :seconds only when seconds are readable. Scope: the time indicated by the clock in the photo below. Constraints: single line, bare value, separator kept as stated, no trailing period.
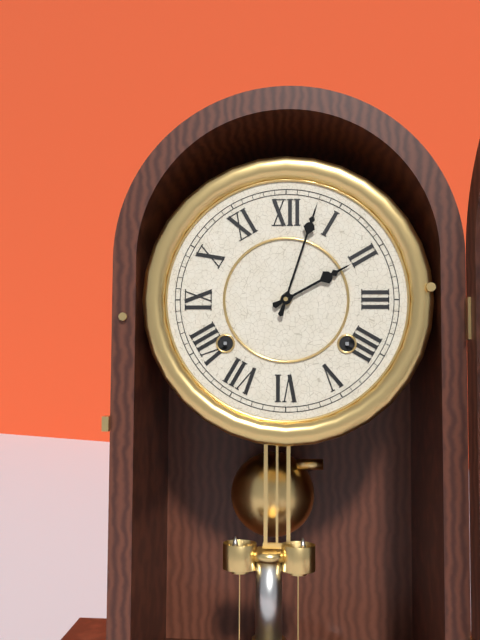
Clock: 2:03
